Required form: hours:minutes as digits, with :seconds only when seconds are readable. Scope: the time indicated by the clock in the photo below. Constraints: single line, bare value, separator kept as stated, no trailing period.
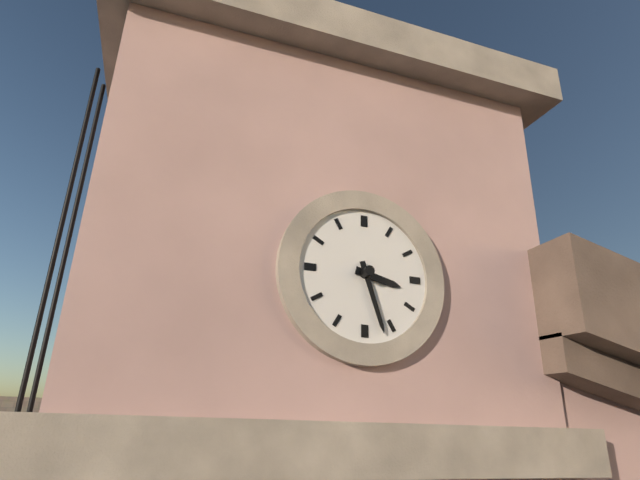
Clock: 3:27
